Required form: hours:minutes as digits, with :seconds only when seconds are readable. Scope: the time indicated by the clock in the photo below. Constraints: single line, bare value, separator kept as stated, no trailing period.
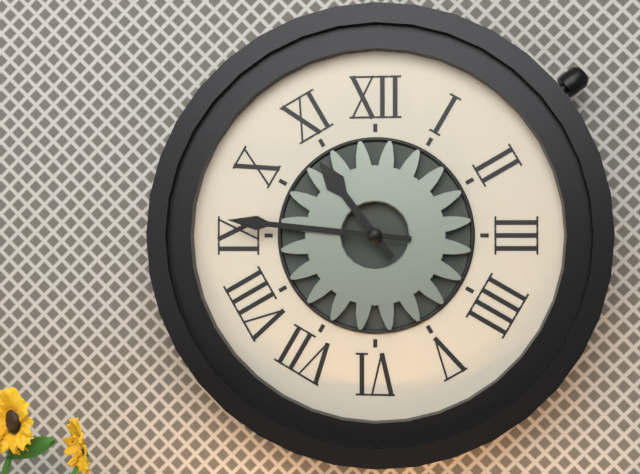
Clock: 10:46
